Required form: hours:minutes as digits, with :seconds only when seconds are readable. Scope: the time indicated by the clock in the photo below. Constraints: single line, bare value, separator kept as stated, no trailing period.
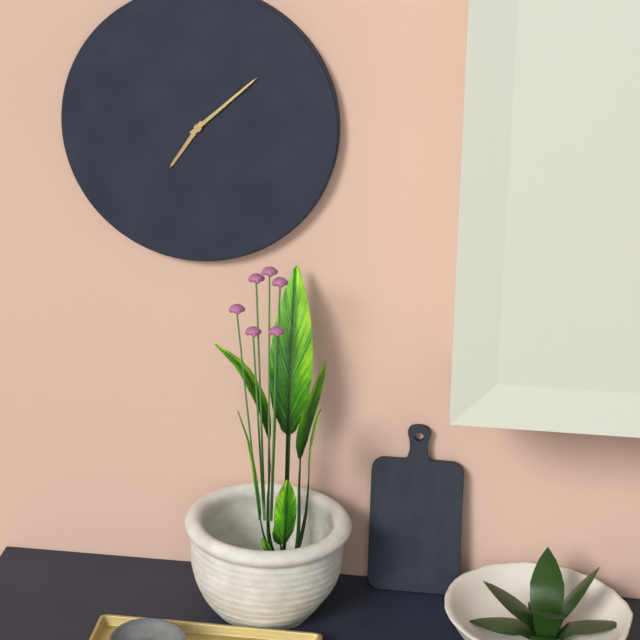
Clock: 7:08
